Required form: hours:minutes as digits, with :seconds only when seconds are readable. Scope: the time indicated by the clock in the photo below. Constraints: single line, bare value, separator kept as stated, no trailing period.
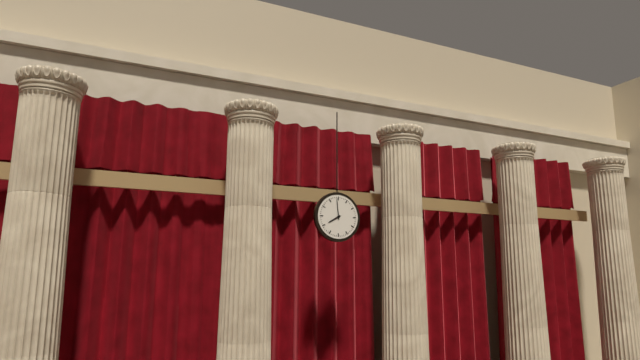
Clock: 7:59
